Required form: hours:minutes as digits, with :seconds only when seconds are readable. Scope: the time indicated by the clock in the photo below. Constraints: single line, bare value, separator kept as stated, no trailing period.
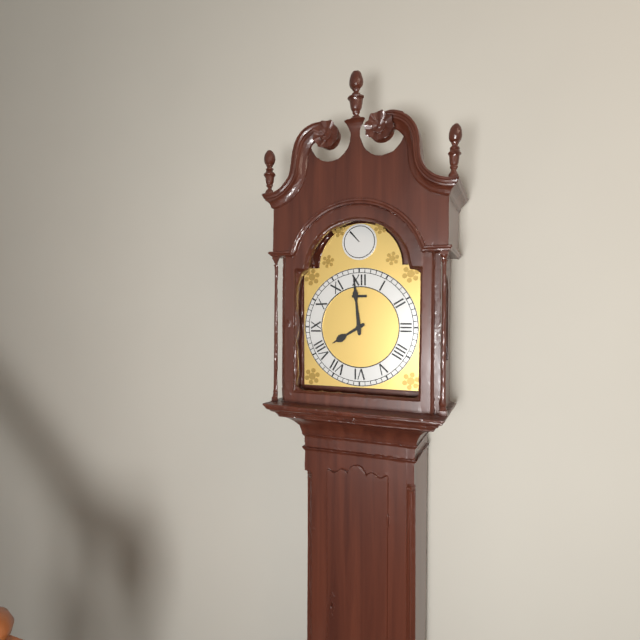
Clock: 7:59
